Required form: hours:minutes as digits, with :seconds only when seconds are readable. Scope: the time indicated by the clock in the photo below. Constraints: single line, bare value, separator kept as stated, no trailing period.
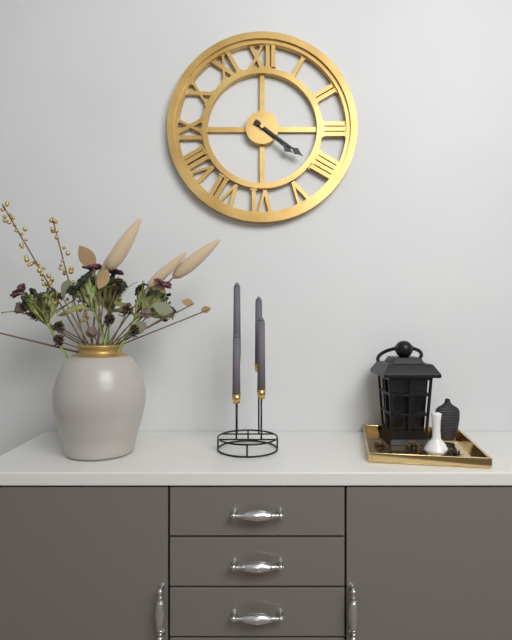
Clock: 4:21
